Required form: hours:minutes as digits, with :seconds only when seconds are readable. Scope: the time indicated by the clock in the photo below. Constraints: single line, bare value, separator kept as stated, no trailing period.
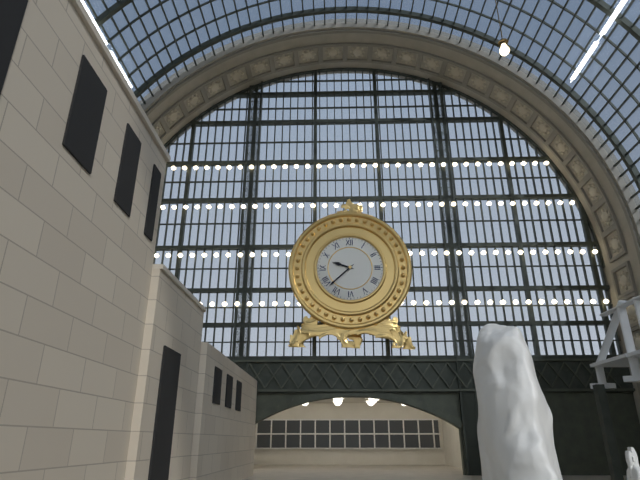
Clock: 9:38
